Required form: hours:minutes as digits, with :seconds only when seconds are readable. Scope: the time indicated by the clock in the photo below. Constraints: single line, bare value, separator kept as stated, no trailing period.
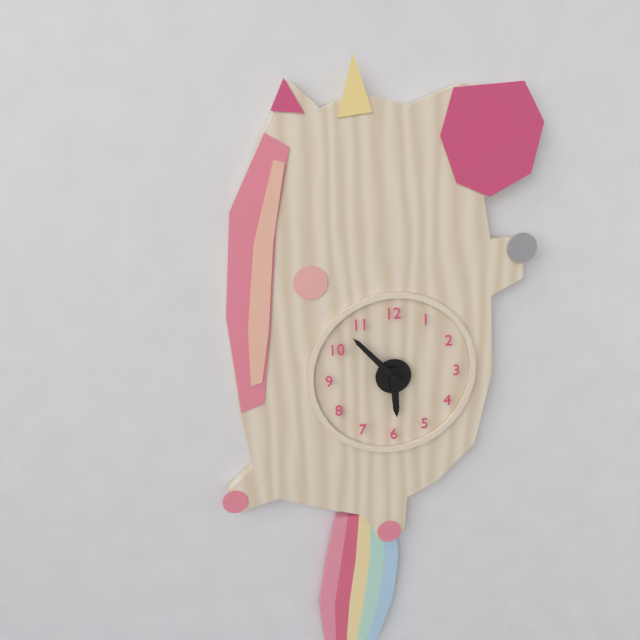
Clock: 5:53
